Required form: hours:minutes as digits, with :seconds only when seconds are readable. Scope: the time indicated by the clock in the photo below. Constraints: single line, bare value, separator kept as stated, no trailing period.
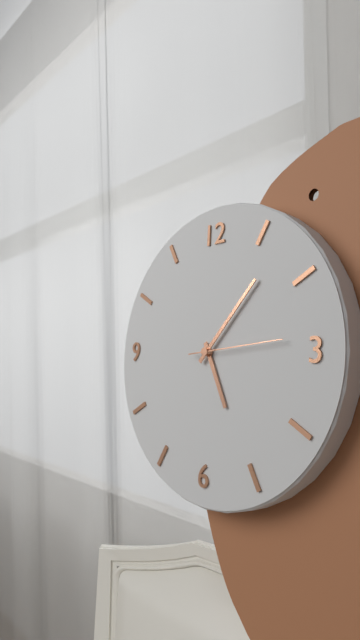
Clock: 5:07:14
